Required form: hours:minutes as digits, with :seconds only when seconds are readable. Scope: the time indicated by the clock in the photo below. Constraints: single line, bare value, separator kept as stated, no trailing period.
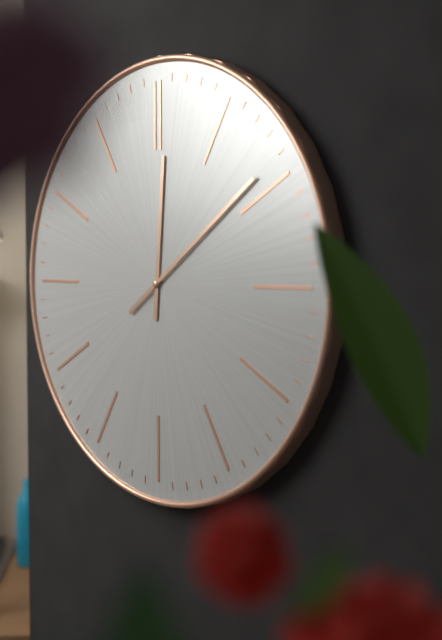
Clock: 12:09
